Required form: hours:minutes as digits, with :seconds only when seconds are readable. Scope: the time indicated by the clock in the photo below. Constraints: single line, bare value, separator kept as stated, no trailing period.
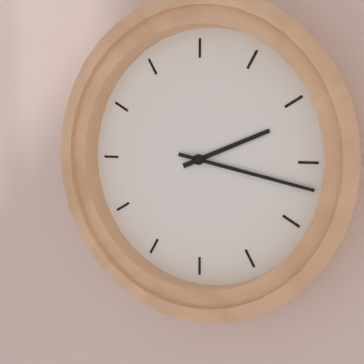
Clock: 2:17
